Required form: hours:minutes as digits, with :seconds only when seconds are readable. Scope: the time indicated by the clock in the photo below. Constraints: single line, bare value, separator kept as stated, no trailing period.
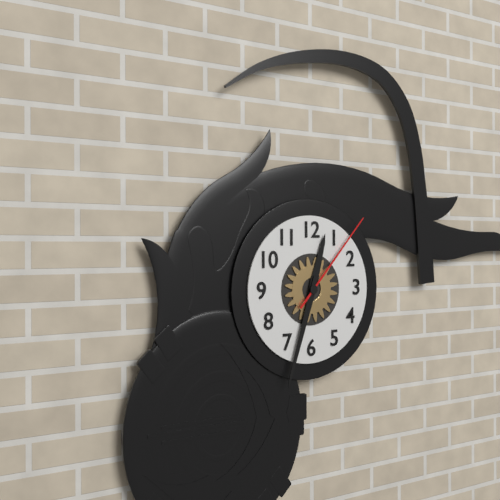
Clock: 12:33:07
